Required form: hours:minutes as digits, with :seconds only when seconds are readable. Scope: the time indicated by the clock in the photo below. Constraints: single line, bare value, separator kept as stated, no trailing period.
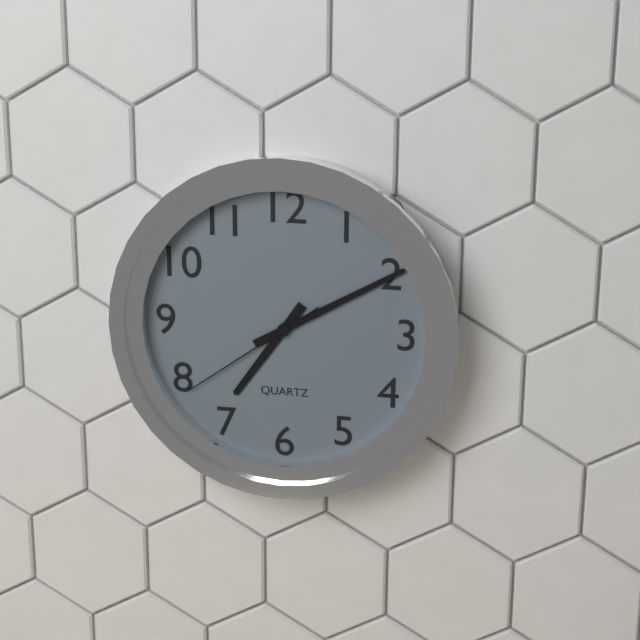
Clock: 7:10:39
